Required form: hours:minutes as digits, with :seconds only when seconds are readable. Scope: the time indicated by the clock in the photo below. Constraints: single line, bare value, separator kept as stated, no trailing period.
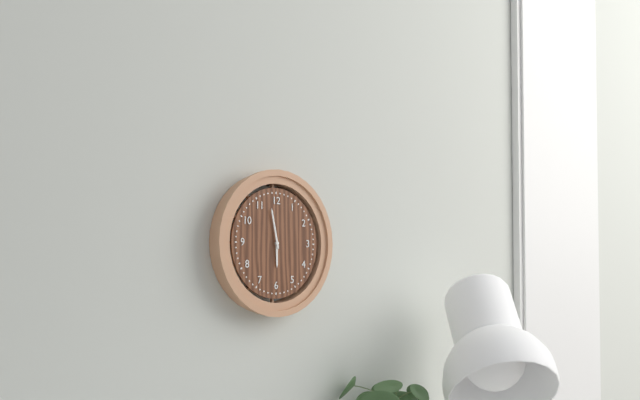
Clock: 5:58
